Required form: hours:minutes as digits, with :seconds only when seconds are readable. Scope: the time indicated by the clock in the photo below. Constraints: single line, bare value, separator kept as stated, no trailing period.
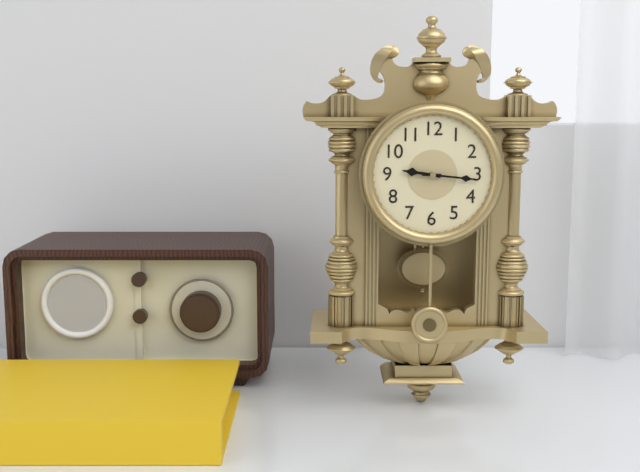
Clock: 9:16
